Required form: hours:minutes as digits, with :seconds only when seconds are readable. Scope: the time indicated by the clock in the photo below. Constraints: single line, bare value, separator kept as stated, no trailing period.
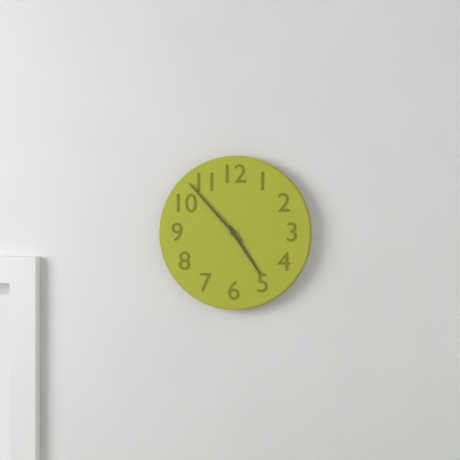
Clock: 4:53
